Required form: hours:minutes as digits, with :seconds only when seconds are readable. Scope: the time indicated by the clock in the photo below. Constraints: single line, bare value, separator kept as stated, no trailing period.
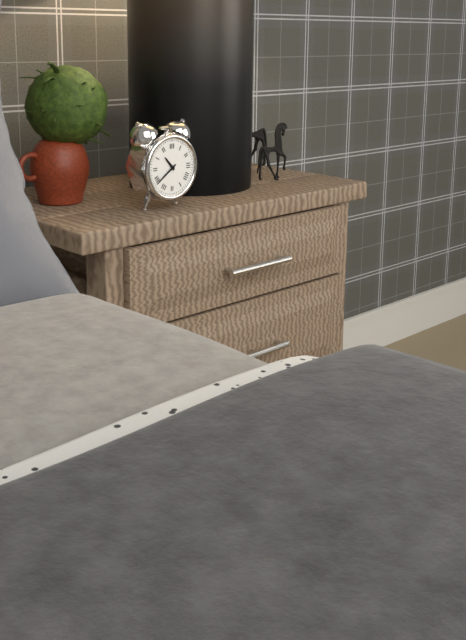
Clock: 10:39
